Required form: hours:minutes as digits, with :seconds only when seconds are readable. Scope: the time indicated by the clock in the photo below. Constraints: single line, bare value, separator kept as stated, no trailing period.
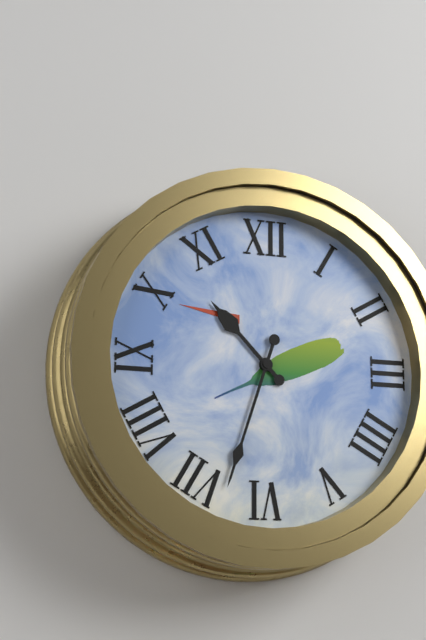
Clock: 10:33
